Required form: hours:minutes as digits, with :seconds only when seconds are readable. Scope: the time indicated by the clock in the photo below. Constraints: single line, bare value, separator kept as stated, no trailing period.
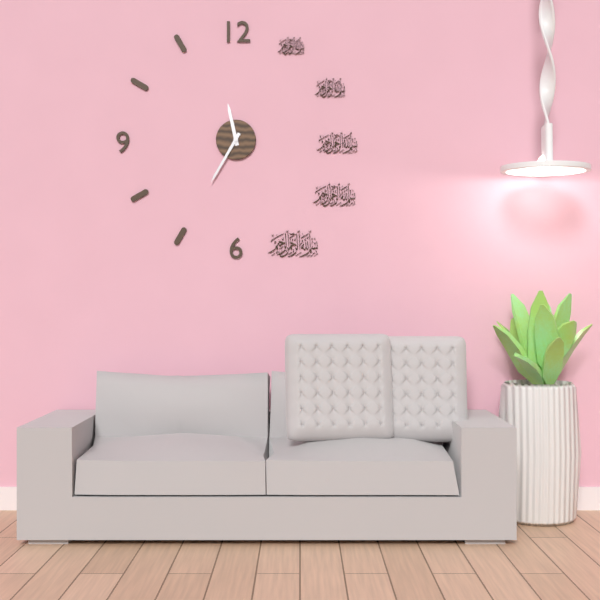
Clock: 11:35
